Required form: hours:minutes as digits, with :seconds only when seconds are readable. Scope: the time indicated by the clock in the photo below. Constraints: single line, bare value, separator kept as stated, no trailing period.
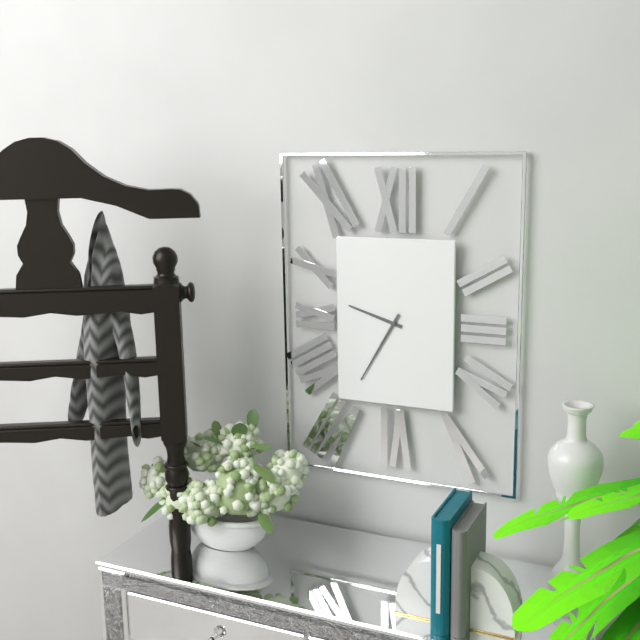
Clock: 9:35
